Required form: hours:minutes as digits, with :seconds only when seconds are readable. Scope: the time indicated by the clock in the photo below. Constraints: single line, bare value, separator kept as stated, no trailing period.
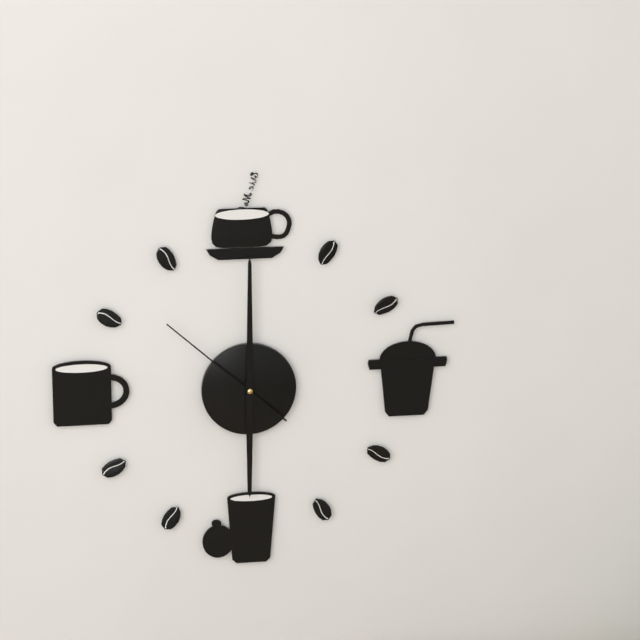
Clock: 6:00:52
